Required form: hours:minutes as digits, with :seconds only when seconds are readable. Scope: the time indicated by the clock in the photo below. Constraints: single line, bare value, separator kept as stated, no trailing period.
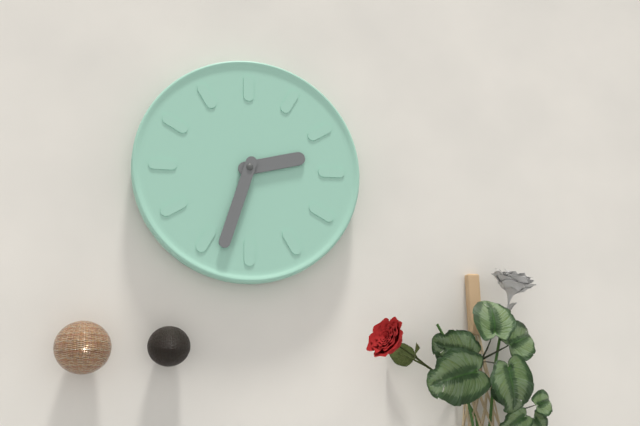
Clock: 2:33
